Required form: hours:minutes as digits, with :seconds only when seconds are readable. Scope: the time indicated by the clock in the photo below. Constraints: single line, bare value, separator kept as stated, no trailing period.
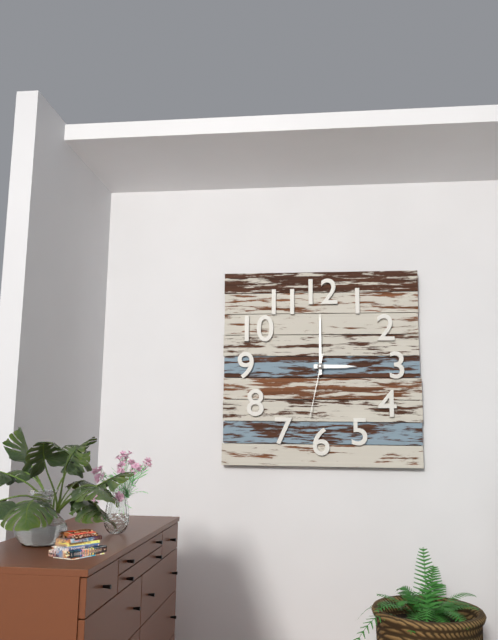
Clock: 3:00:32
